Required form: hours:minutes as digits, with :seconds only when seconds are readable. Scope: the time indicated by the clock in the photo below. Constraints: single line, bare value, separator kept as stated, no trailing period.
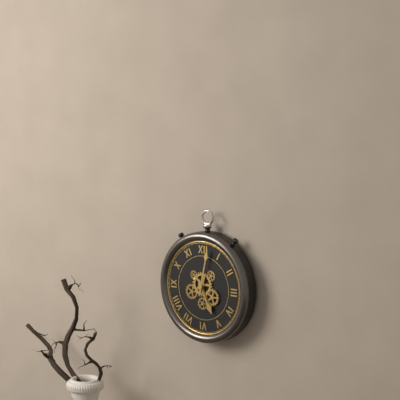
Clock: 5:02
